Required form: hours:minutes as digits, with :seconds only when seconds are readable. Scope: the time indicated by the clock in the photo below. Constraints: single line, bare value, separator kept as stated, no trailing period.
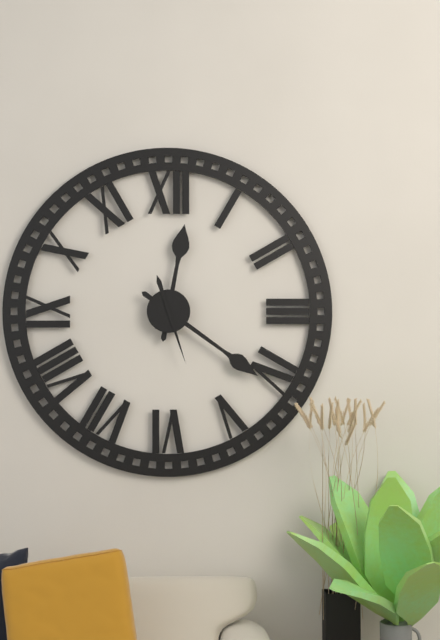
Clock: 12:21:27
